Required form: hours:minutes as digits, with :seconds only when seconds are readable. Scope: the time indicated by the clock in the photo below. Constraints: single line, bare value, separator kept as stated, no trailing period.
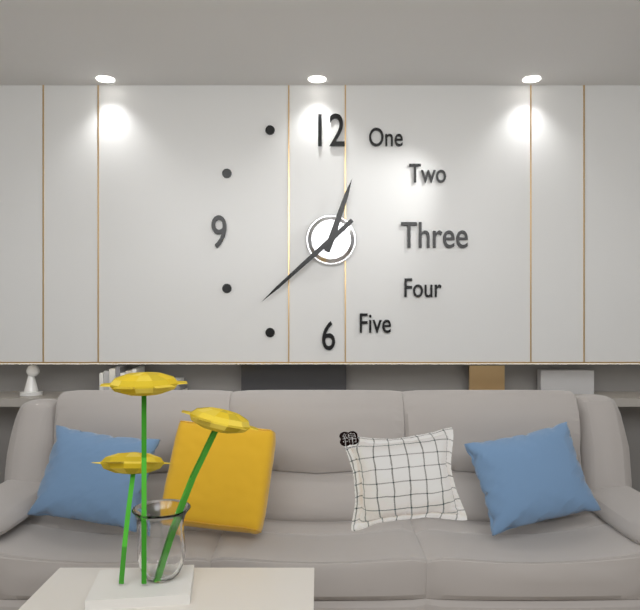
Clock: 12:38
